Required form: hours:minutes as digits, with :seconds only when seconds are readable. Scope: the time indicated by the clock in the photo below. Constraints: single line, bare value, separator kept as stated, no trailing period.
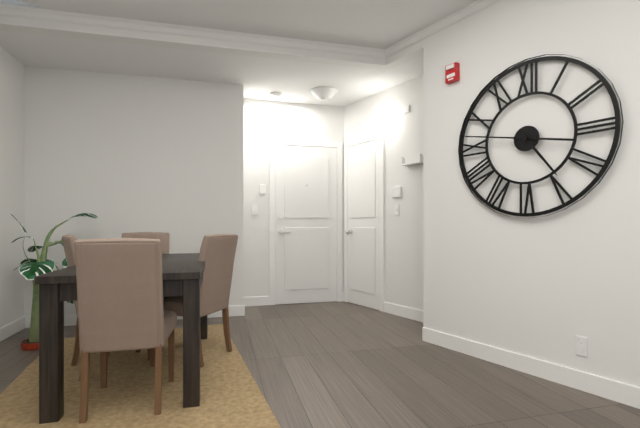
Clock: 4:47
